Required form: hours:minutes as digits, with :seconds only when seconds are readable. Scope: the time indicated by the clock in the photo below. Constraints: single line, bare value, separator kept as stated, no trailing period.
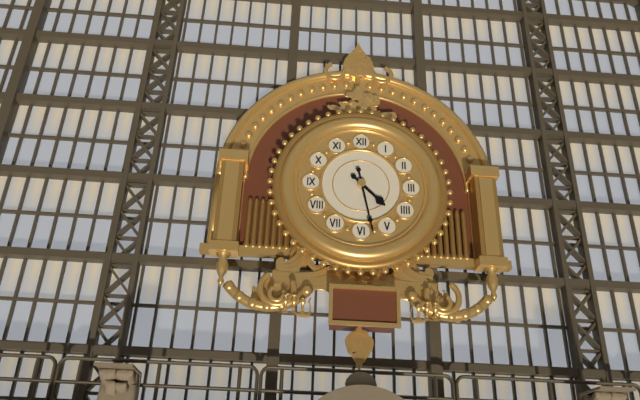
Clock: 4:28
